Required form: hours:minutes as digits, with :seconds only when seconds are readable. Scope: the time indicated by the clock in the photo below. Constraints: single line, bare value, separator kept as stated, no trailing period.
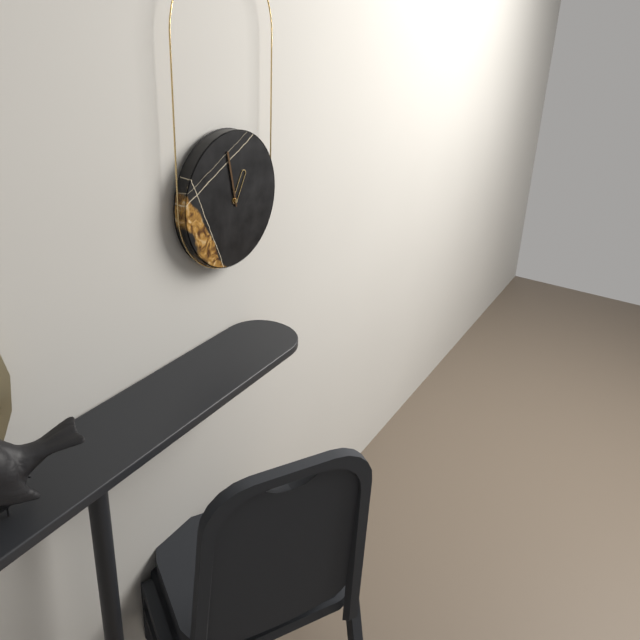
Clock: 12:58
